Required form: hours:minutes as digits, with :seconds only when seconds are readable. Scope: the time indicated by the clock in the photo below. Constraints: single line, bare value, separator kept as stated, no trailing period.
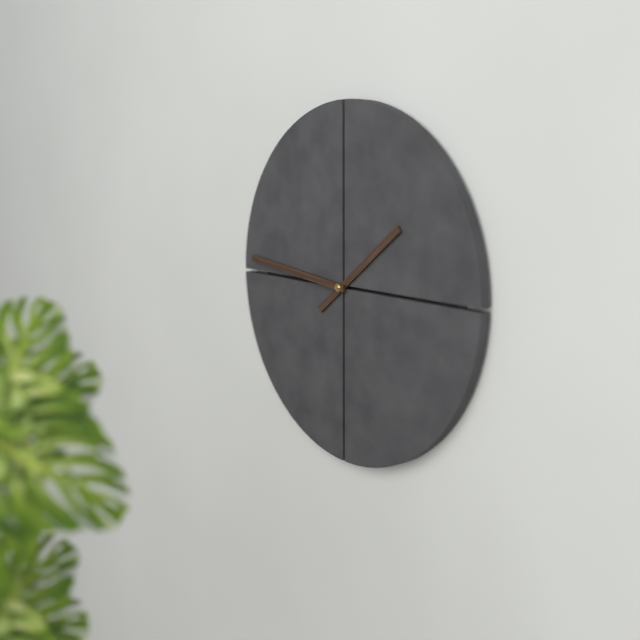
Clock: 1:46
